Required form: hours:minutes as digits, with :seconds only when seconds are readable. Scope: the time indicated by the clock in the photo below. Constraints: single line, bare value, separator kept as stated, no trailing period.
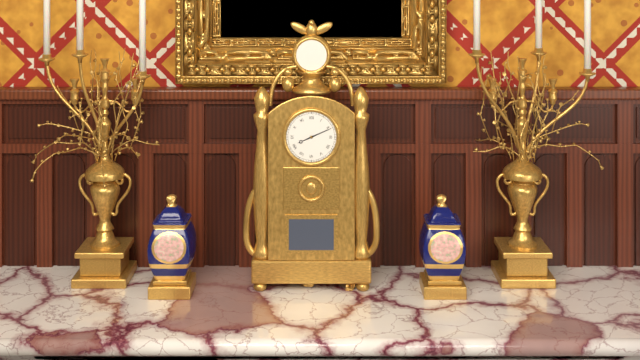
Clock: 8:11
